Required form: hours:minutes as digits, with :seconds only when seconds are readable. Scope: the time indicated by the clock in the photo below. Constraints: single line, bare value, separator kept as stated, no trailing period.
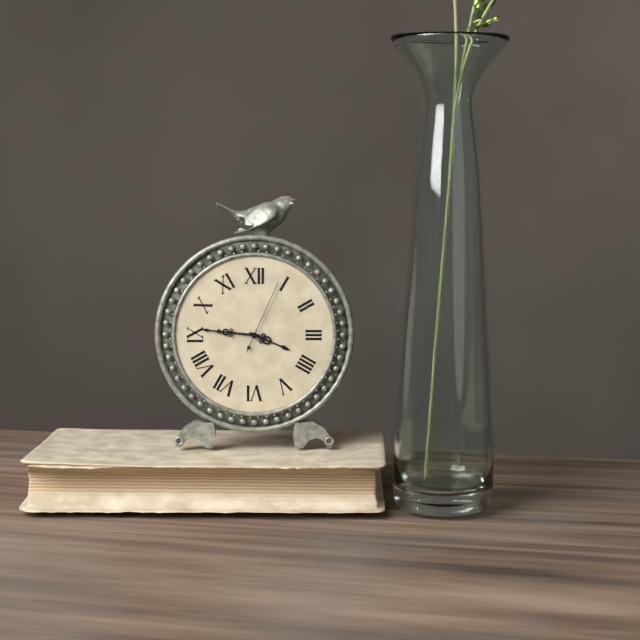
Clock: 3:46:04
